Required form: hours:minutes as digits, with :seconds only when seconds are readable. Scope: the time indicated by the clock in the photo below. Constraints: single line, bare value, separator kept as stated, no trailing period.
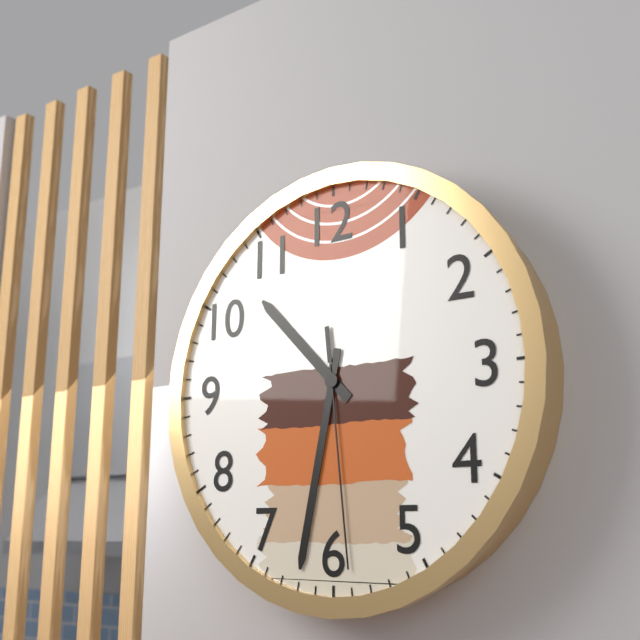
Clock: 10:32:29
